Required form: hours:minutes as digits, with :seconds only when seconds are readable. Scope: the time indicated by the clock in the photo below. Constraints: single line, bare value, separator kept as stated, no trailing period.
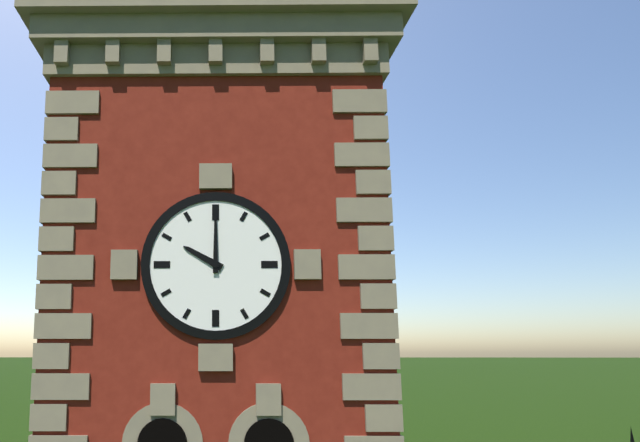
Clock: 10:00
